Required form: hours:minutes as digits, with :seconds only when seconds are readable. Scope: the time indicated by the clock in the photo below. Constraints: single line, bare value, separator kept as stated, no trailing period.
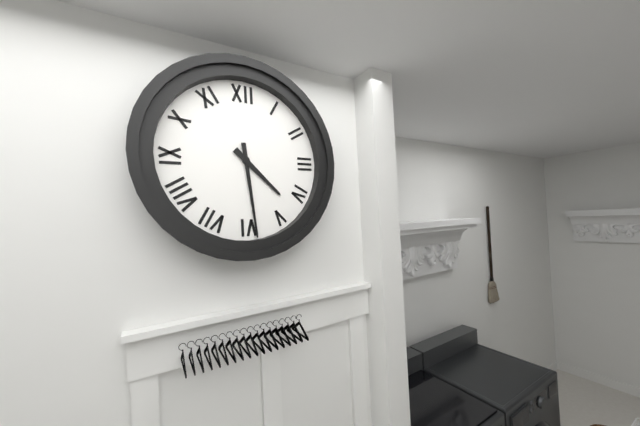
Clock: 4:29
